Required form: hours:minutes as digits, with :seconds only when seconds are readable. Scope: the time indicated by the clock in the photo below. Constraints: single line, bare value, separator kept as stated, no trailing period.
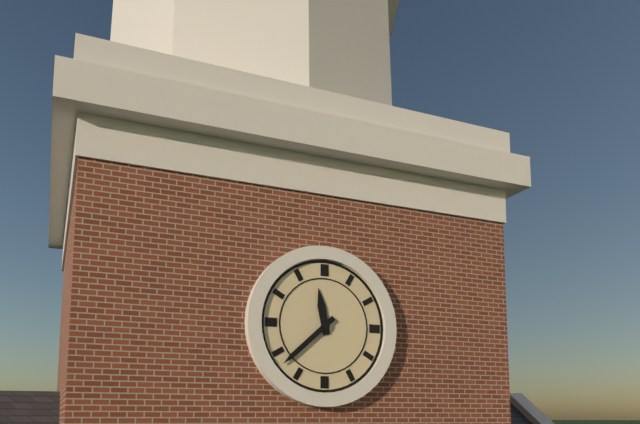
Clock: 11:38
